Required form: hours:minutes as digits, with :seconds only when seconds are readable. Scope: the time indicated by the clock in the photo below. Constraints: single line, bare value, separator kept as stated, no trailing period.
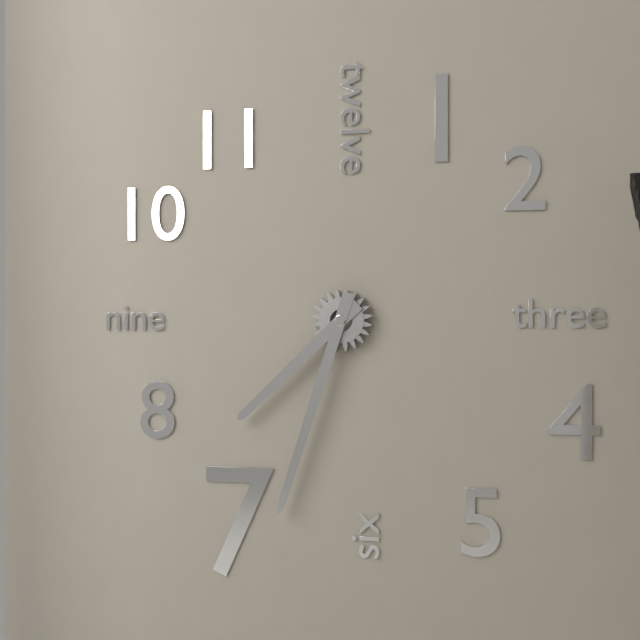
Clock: 7:33
